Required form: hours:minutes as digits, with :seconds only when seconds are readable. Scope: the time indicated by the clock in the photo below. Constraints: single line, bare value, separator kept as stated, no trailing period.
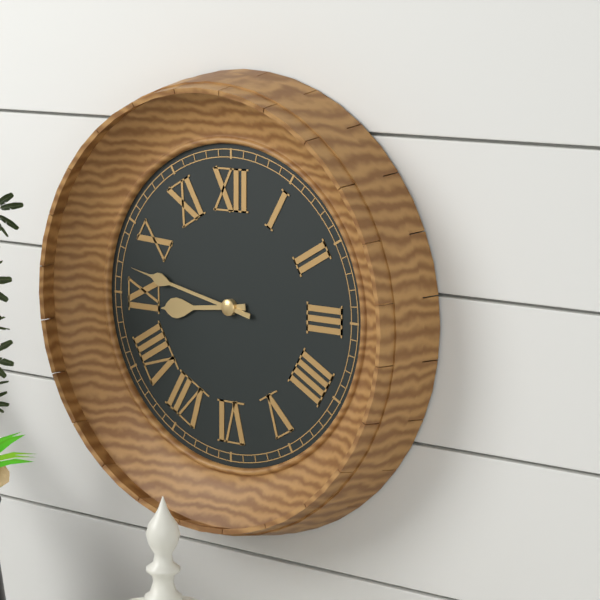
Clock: 8:47
